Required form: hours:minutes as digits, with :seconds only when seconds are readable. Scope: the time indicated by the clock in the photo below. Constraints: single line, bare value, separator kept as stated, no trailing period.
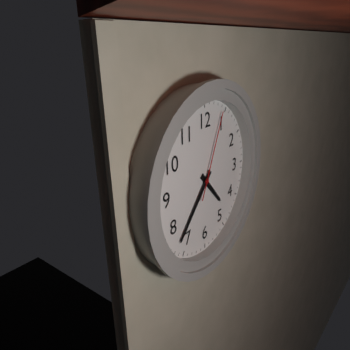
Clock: 4:37:04
